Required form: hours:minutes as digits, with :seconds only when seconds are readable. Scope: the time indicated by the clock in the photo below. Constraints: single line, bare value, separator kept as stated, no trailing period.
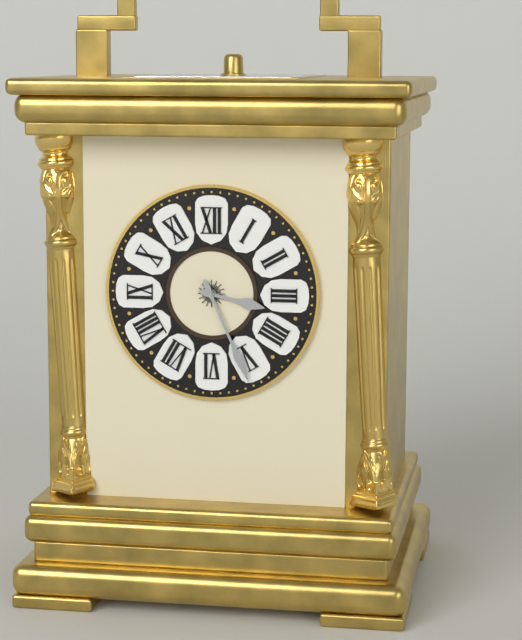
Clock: 3:26
